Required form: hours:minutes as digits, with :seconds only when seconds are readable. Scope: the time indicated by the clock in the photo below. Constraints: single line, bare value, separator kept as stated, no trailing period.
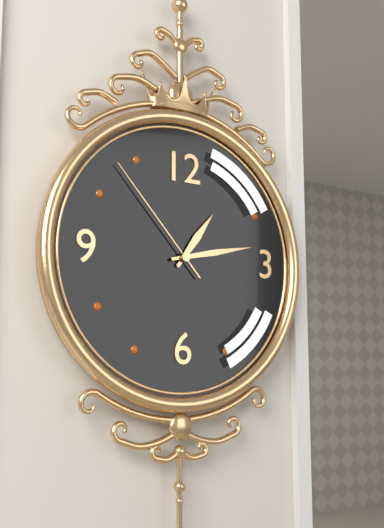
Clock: 1:13:53
